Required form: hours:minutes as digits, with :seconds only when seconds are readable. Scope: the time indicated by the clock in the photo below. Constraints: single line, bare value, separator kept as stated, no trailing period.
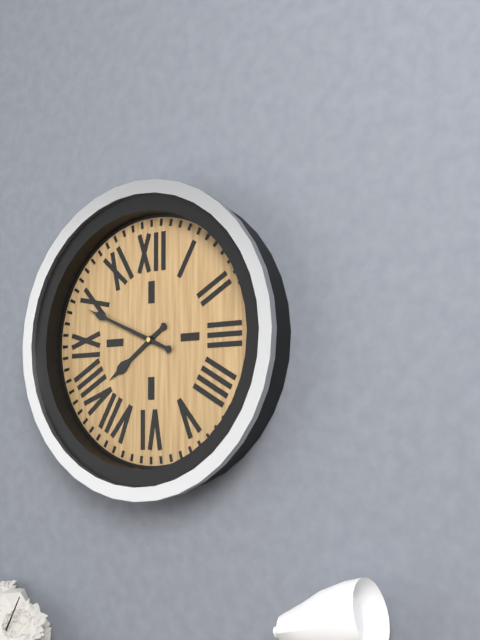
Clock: 7:49
